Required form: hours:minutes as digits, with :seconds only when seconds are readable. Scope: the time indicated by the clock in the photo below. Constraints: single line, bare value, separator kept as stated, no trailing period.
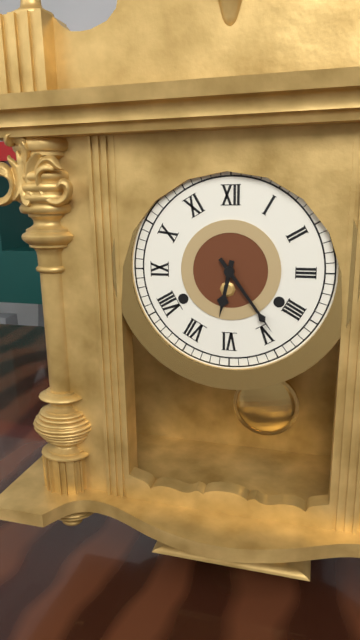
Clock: 6:24
